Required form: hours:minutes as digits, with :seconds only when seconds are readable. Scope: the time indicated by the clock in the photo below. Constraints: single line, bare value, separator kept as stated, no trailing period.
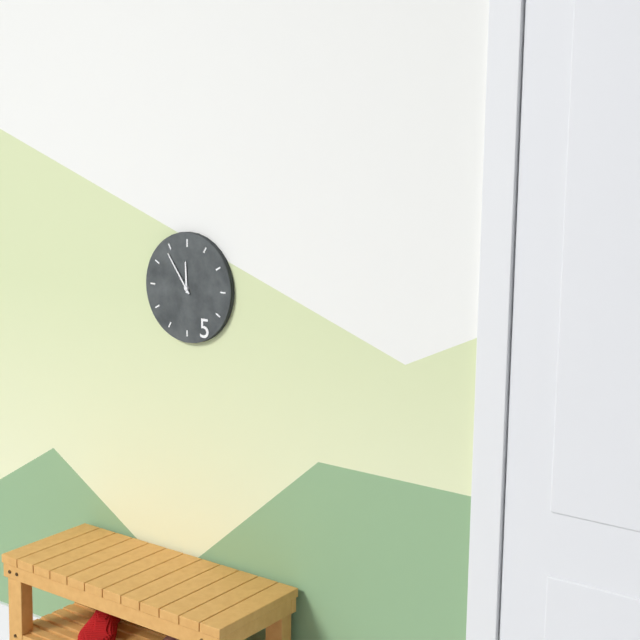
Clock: 11:54
